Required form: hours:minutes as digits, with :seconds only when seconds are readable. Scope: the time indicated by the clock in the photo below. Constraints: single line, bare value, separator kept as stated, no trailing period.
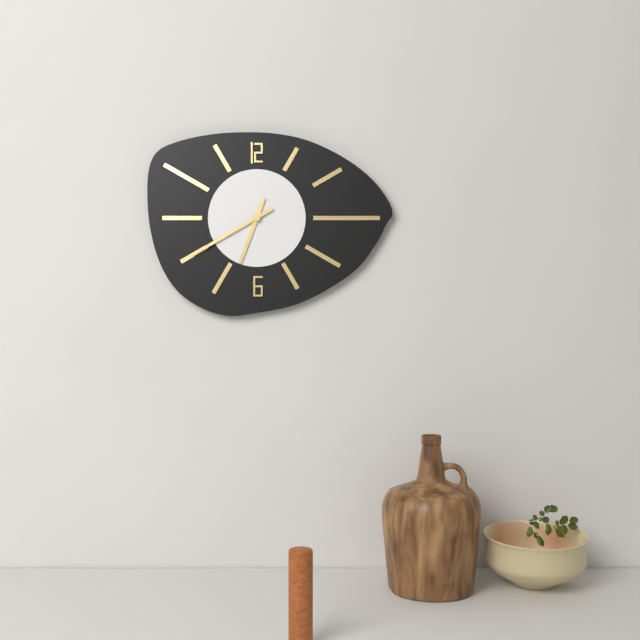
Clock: 6:40
